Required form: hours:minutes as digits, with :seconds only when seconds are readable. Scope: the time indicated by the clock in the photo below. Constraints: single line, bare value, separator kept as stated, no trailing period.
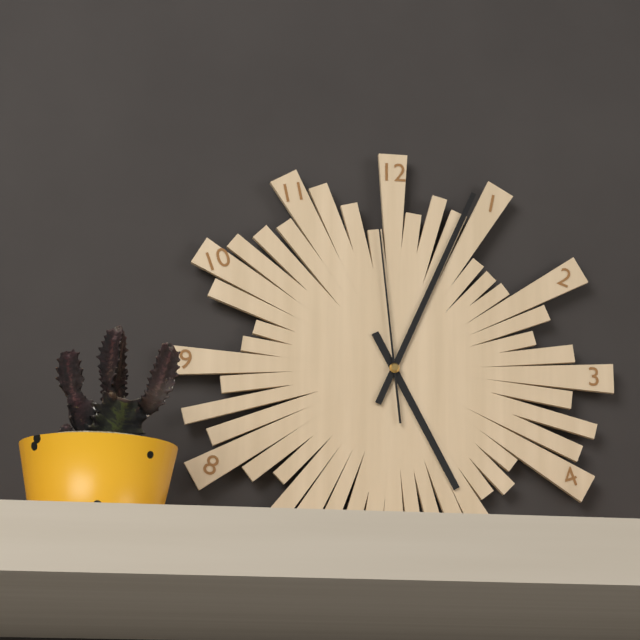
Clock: 5:04:59
